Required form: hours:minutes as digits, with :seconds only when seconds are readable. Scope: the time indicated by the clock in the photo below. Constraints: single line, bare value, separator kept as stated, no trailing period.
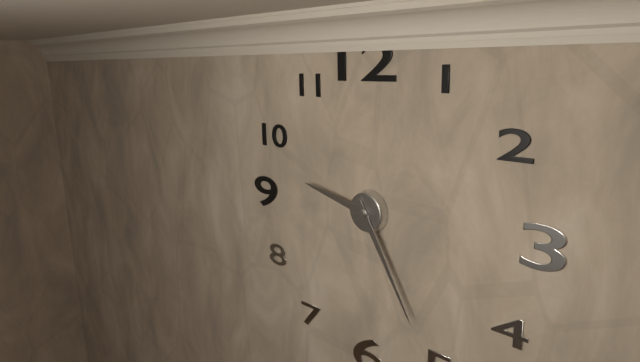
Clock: 9:25
